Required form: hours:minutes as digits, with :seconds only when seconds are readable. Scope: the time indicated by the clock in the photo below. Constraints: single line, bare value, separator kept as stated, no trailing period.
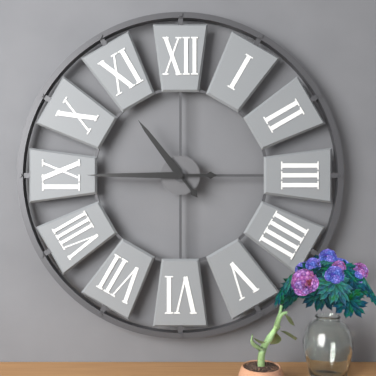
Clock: 10:45
